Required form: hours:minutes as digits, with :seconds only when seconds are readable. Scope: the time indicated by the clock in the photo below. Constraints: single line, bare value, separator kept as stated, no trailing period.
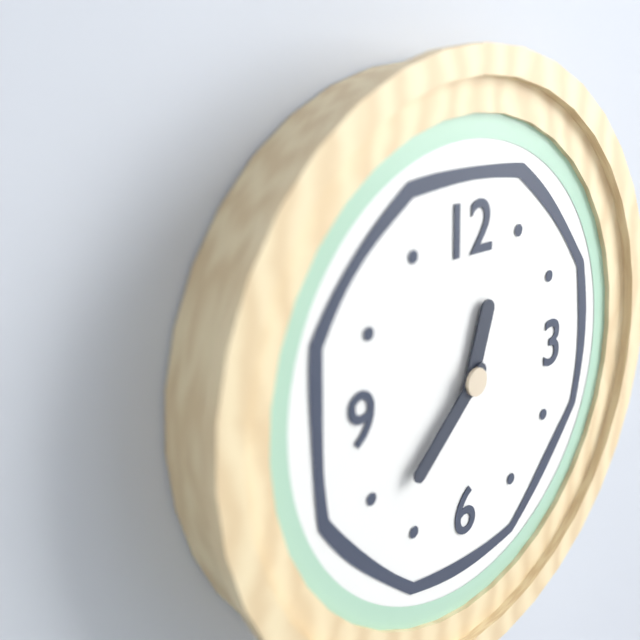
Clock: 12:38
